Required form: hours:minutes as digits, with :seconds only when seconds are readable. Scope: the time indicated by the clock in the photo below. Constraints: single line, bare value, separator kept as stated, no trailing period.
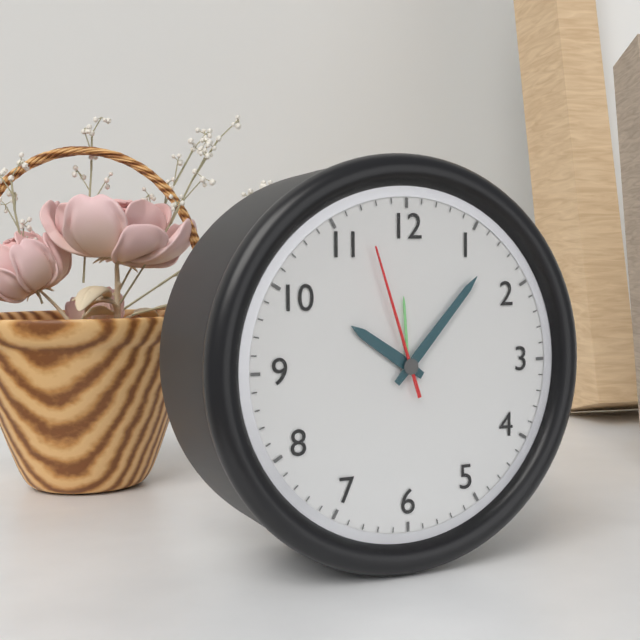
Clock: 10:07:57
